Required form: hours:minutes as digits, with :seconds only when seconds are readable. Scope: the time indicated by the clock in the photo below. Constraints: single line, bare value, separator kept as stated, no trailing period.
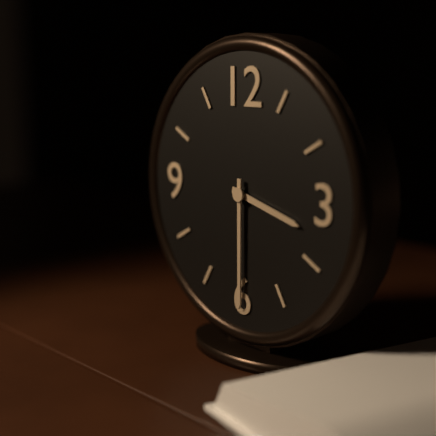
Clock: 3:30
